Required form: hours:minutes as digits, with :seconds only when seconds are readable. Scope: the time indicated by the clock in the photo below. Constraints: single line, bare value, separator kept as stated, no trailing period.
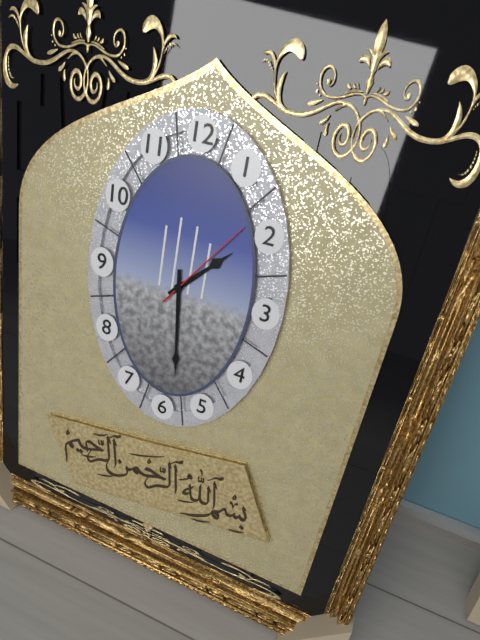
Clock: 1:29:06
